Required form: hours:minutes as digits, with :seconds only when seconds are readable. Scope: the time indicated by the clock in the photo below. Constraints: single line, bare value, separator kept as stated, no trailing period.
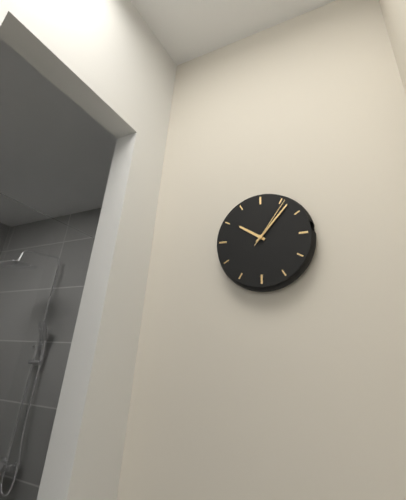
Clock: 10:07:06
